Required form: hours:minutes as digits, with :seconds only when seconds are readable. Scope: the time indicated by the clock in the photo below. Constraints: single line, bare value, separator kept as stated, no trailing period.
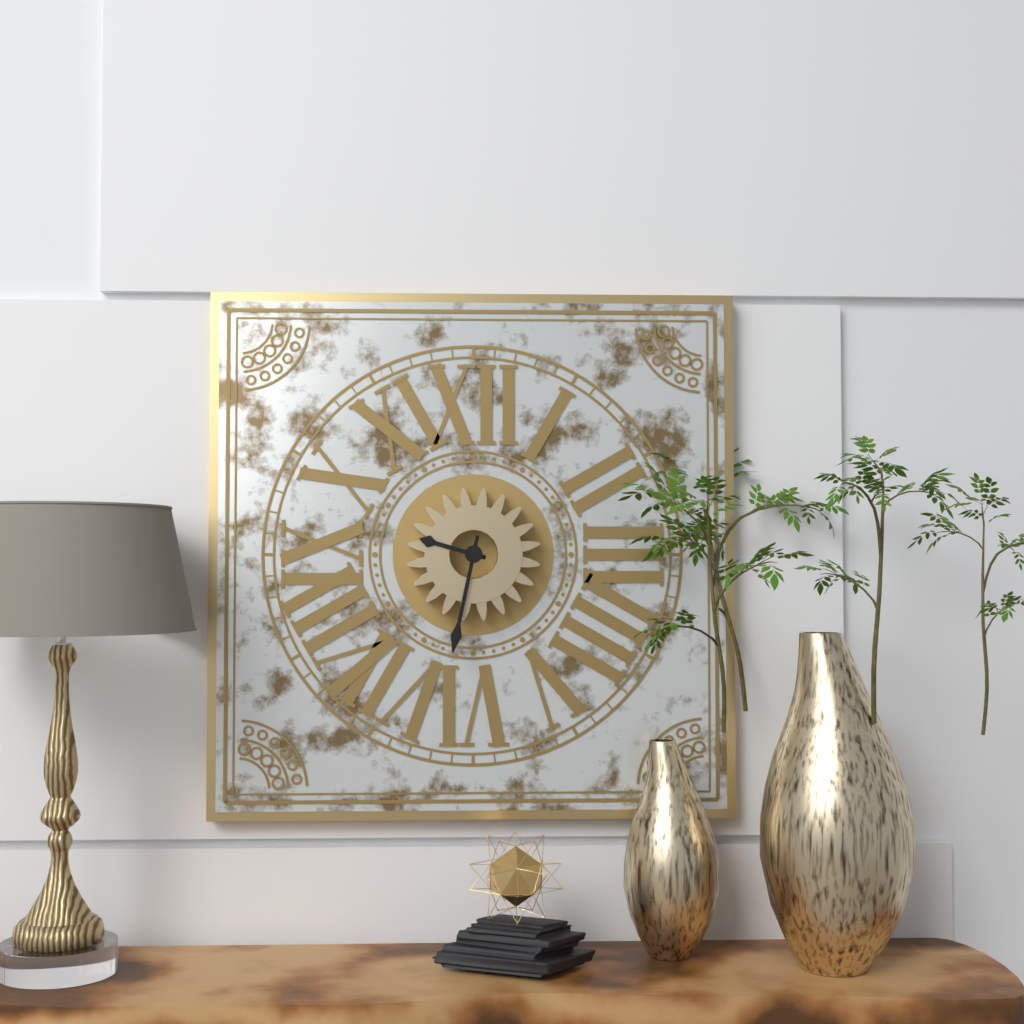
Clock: 9:32
